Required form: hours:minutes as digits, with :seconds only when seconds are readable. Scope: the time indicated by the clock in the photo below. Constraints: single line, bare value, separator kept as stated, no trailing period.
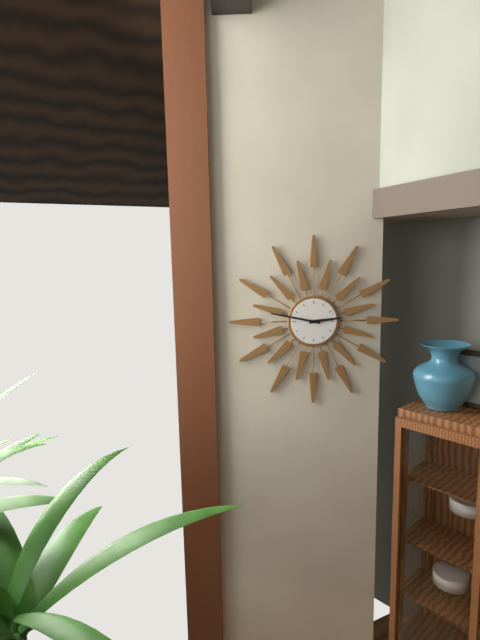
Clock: 2:47
